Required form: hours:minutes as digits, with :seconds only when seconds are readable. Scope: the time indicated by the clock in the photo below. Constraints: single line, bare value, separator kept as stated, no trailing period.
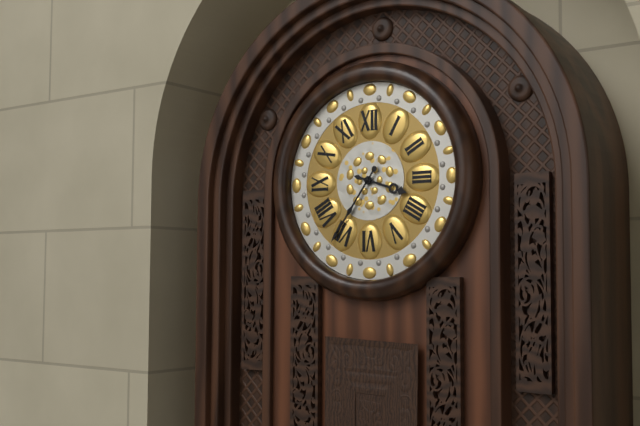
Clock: 3:36
